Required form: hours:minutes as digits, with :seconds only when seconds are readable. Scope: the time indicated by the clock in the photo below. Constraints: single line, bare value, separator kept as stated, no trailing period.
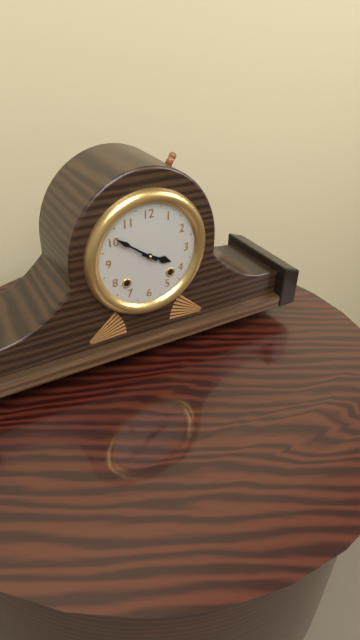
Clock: 3:51
